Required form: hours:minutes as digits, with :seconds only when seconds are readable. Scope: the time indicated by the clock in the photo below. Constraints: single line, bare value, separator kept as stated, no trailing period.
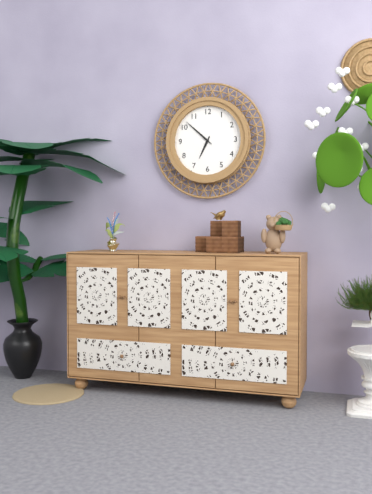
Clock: 6:52
